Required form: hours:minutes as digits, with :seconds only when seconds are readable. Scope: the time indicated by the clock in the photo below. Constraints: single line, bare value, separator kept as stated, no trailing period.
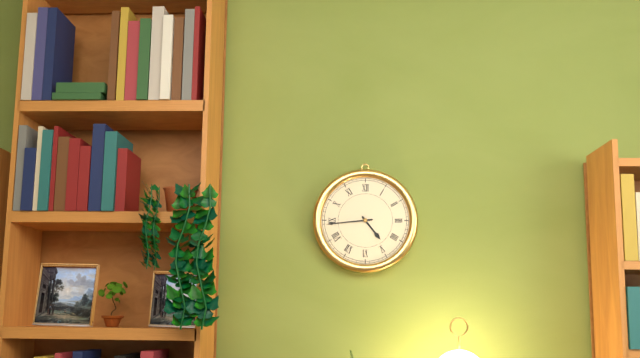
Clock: 4:44
